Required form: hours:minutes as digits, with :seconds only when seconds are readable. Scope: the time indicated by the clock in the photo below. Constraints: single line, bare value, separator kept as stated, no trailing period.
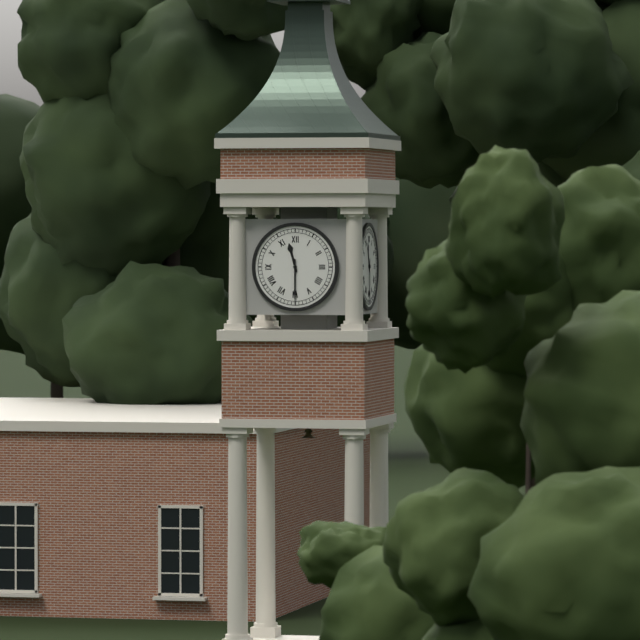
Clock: 11:30
